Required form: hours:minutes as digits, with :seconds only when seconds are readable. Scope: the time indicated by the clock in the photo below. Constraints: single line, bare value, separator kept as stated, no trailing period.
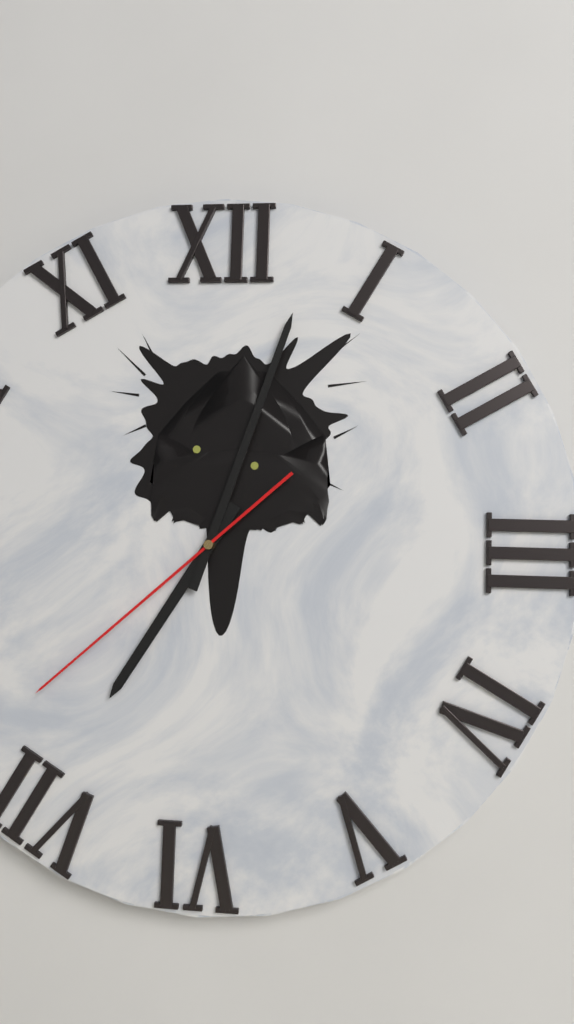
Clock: 7:03:38
